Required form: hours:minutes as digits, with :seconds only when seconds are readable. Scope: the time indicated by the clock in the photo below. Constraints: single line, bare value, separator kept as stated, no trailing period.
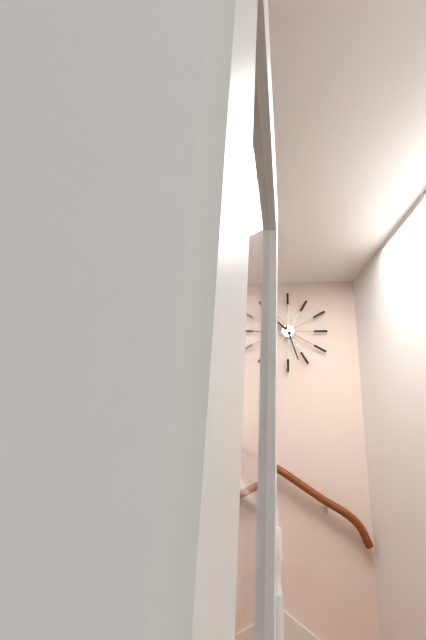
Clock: 10:27
